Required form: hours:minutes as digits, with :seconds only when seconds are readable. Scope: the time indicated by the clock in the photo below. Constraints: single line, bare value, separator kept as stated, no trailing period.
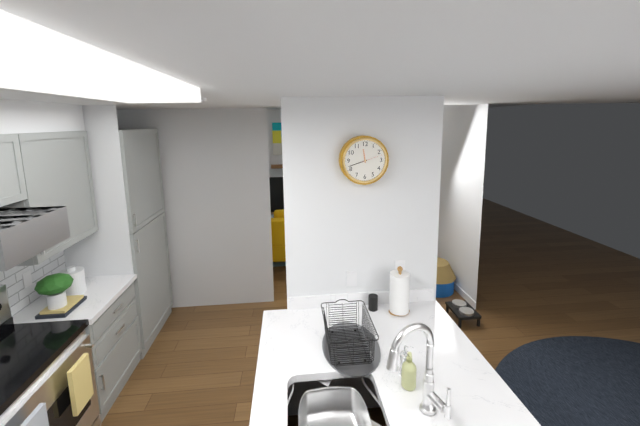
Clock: 11:42
